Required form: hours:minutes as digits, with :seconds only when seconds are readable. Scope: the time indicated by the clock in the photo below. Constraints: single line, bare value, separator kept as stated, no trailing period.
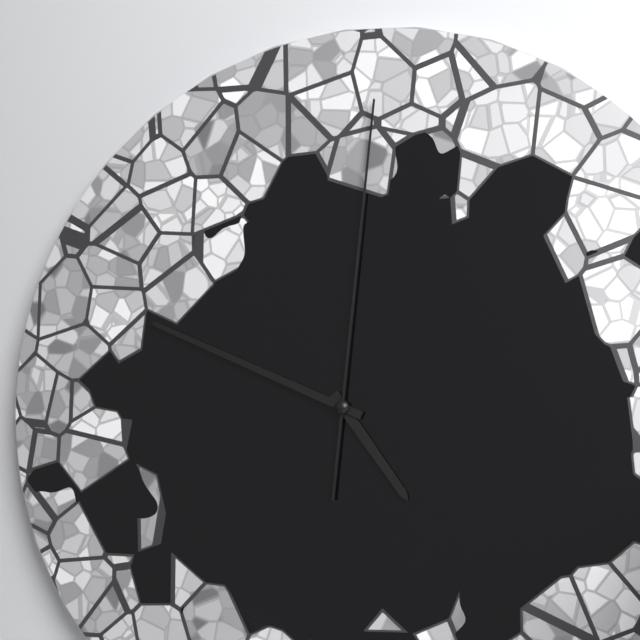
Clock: 4:49:01
